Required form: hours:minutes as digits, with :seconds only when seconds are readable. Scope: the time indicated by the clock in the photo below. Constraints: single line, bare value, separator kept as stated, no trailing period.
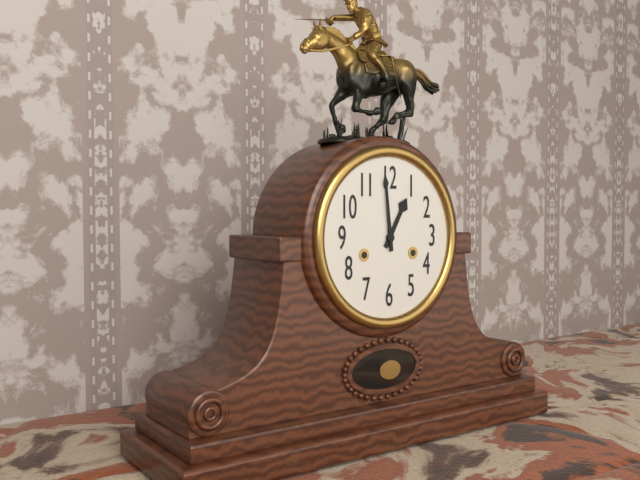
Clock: 12:59
